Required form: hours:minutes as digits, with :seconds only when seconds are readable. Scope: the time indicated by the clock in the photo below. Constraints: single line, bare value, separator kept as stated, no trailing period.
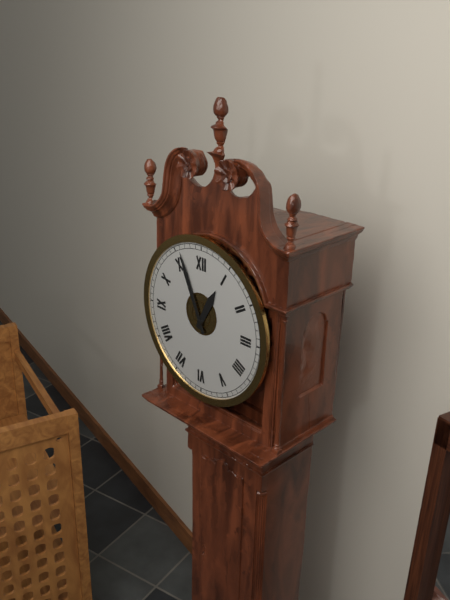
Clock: 12:56
